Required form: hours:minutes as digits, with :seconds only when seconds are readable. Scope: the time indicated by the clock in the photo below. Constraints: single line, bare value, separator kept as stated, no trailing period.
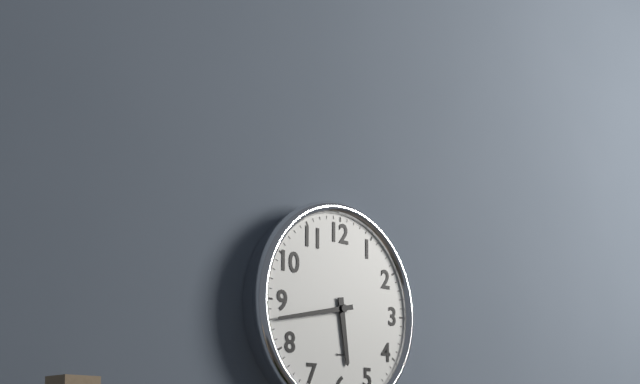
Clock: 5:43
